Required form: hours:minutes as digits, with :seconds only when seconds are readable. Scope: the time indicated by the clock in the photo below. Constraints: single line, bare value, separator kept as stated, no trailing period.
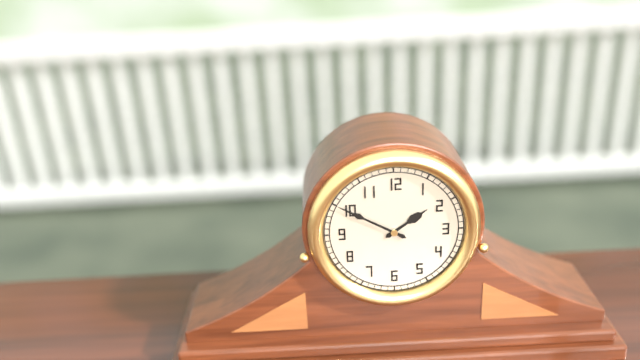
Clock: 1:50
